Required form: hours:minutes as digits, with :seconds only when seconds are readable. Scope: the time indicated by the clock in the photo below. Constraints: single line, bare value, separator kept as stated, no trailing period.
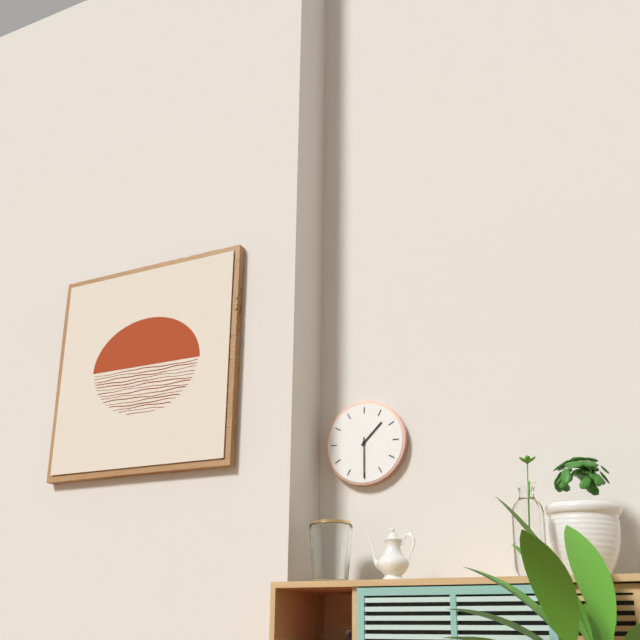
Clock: 1:30
